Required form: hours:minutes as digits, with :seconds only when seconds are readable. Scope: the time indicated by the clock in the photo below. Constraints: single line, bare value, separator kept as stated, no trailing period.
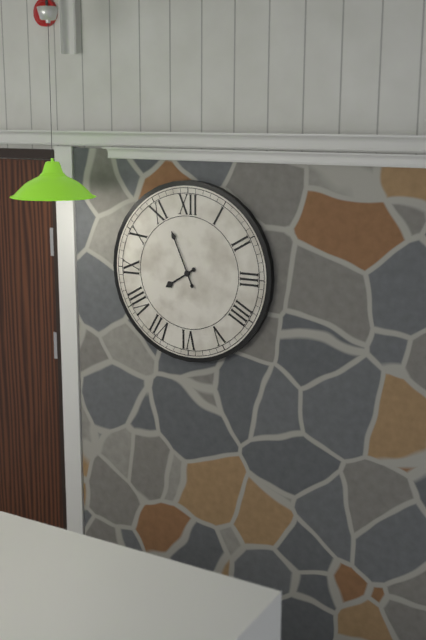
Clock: 7:56
